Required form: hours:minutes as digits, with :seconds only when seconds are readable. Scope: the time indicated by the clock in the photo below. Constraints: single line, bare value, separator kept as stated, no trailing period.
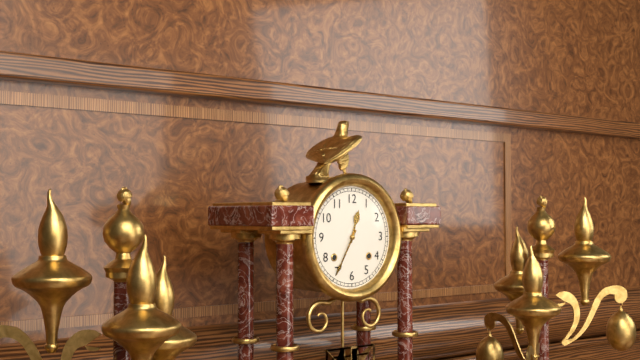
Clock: 12:35
